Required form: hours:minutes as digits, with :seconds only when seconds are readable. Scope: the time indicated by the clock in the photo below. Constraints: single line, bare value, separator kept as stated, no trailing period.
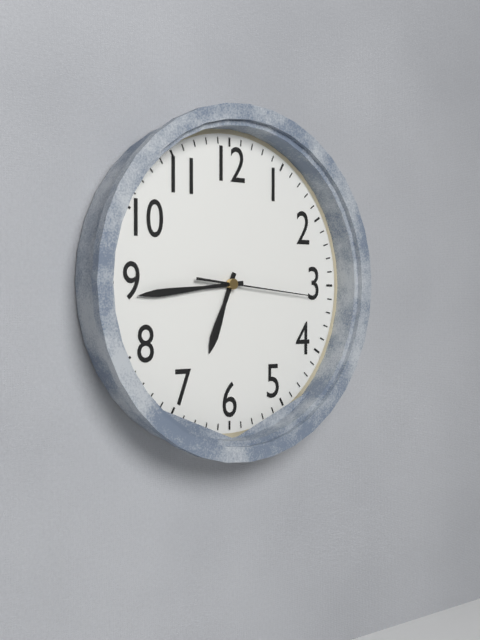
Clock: 6:44:16
